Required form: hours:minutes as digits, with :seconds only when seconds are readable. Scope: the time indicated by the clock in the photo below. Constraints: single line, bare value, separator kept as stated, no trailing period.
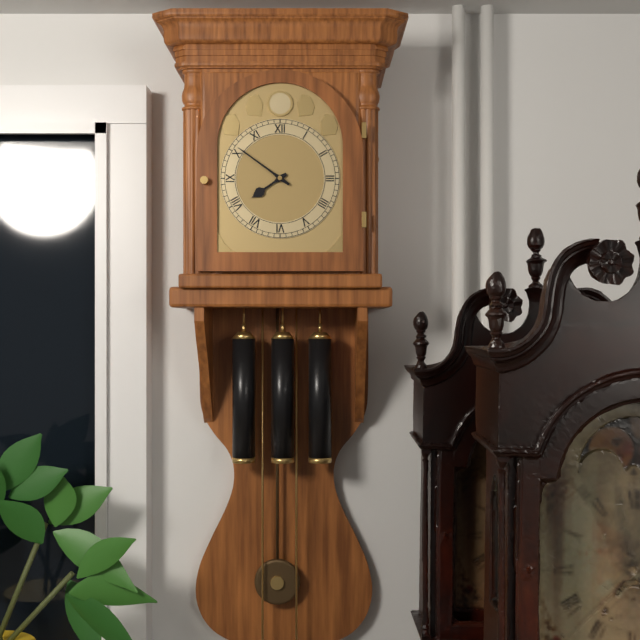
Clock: 7:51
